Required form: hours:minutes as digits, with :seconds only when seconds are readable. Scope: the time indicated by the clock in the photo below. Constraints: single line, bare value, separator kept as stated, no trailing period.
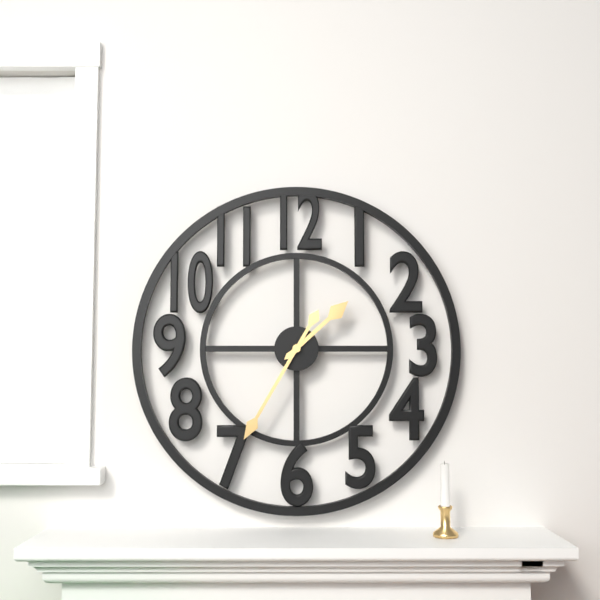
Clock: 1:35
